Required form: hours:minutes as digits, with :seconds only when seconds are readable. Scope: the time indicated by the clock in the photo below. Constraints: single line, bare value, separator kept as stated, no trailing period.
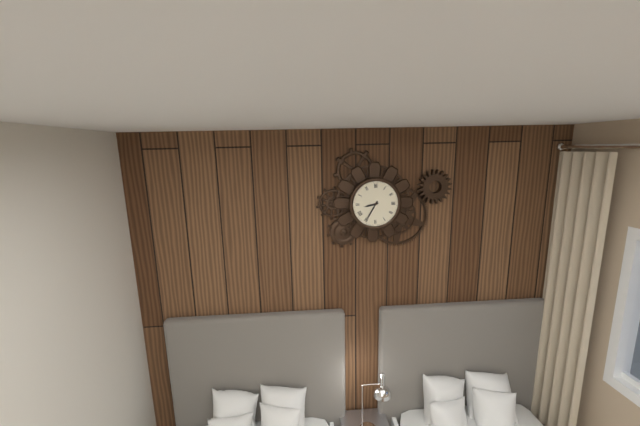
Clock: 8:35
